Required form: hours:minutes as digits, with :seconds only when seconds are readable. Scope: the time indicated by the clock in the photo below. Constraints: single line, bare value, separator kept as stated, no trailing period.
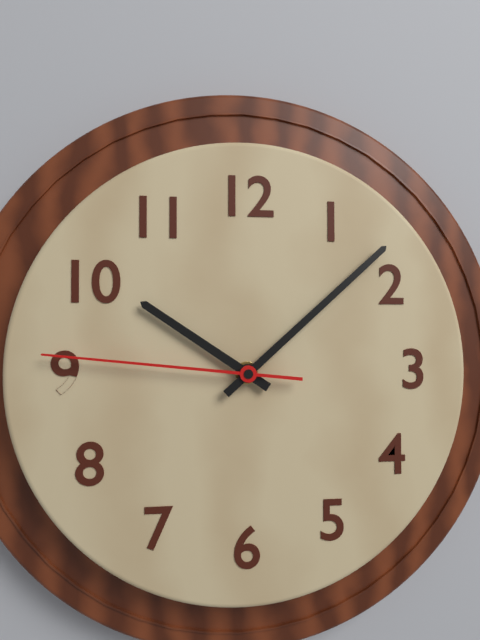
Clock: 10:08:46
